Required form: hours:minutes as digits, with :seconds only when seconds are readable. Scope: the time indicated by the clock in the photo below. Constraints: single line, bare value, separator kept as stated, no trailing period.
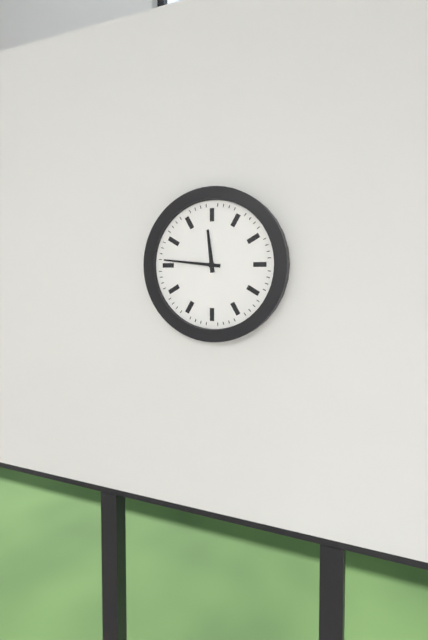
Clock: 11:46
